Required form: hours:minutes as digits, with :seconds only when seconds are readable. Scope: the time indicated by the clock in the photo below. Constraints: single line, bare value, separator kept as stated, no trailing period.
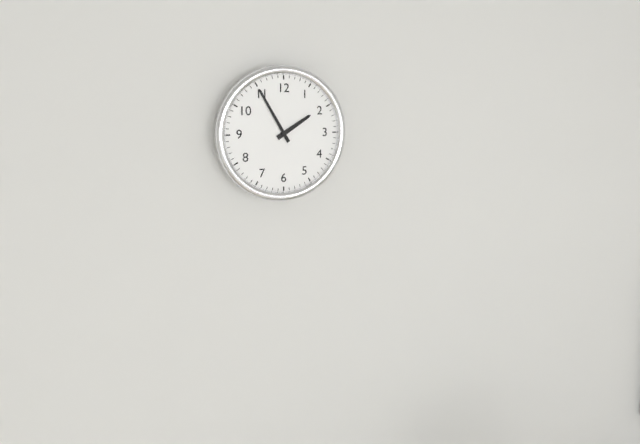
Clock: 1:55
